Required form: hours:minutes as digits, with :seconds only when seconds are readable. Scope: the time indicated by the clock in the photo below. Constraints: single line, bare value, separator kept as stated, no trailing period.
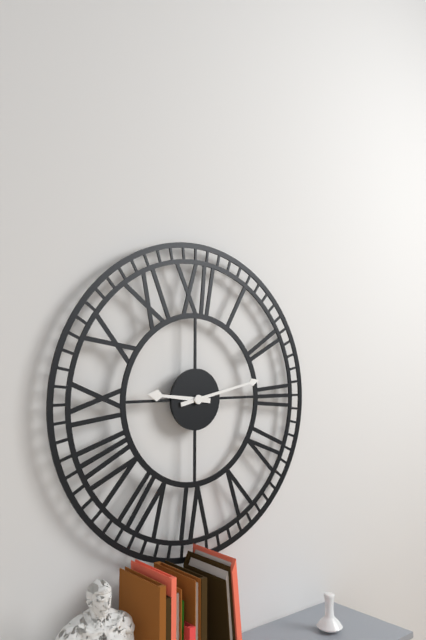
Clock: 9:13
